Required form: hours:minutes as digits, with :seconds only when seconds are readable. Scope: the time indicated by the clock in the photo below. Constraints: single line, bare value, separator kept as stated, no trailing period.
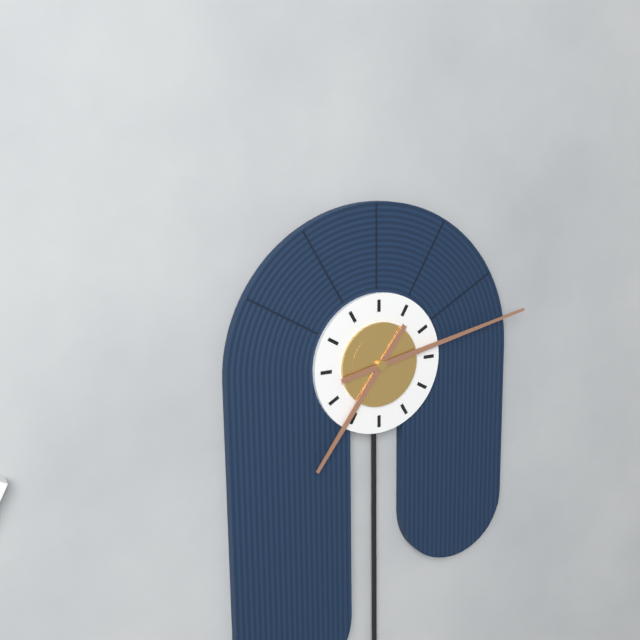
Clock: 7:13
